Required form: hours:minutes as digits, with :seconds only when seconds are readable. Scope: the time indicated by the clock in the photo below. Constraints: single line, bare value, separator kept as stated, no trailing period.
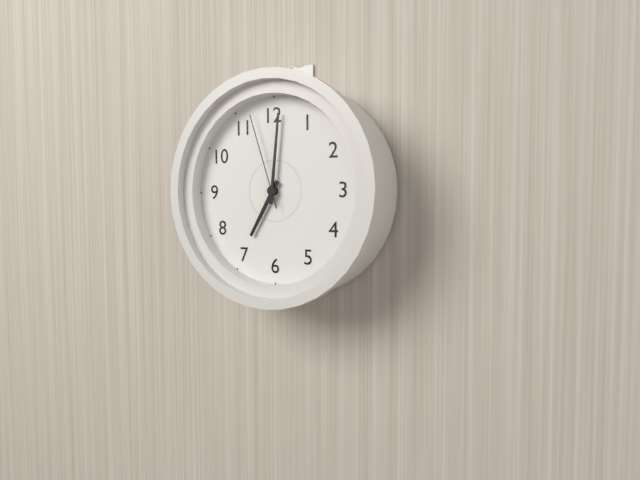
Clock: 7:01:57
